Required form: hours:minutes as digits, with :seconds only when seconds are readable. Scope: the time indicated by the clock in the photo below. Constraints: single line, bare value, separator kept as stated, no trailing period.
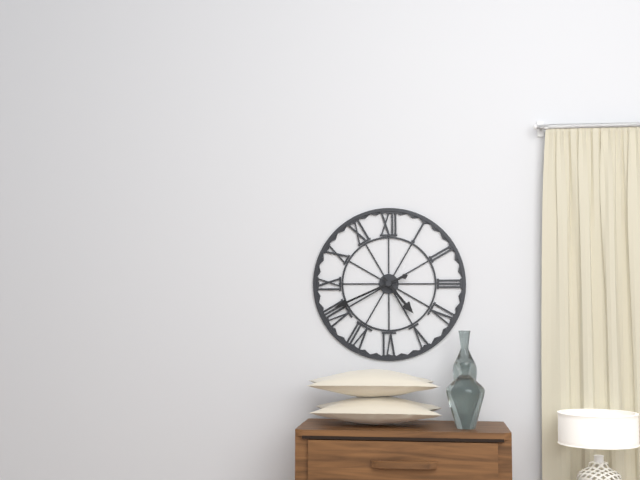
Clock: 4:41
